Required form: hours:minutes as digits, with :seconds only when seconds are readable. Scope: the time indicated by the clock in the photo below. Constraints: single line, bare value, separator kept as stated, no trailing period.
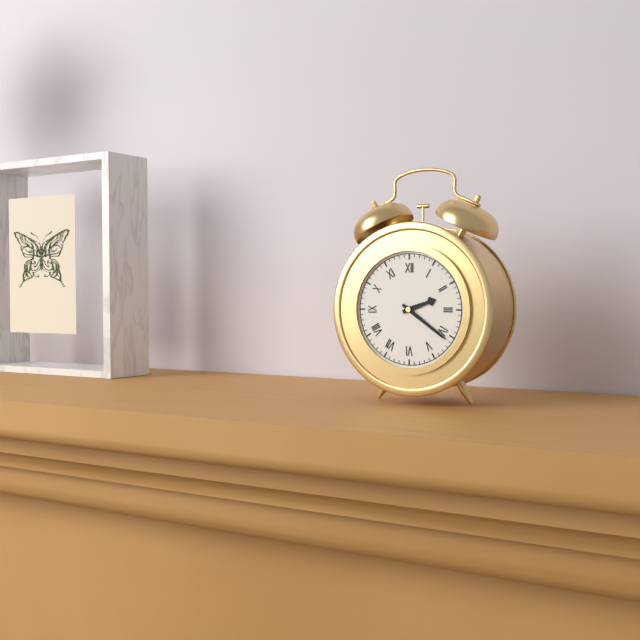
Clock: 2:21
